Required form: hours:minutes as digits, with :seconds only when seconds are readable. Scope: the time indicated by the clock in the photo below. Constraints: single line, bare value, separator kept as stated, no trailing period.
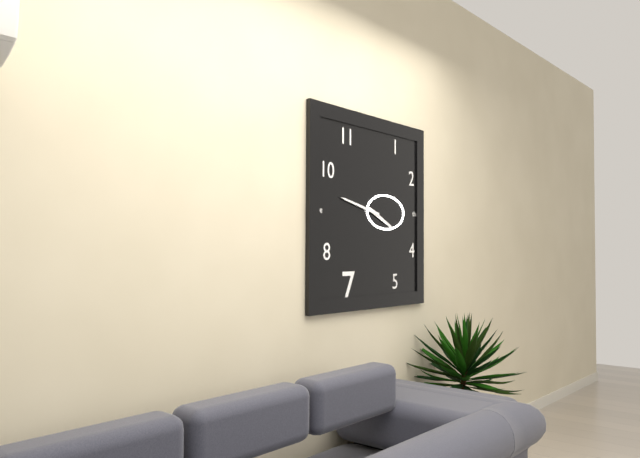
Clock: 3:47
